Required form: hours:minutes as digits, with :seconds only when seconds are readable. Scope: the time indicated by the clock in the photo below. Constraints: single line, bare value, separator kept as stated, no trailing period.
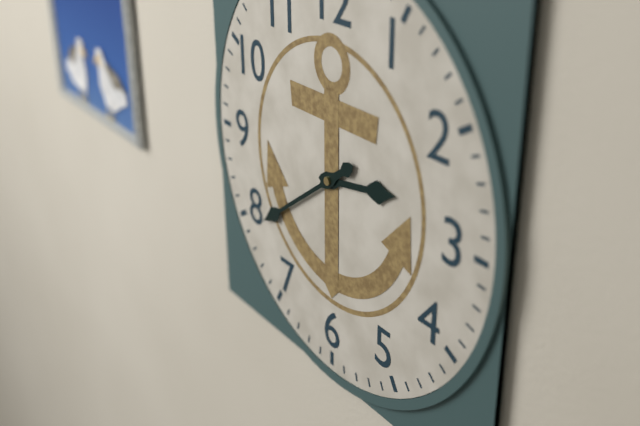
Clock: 2:39
